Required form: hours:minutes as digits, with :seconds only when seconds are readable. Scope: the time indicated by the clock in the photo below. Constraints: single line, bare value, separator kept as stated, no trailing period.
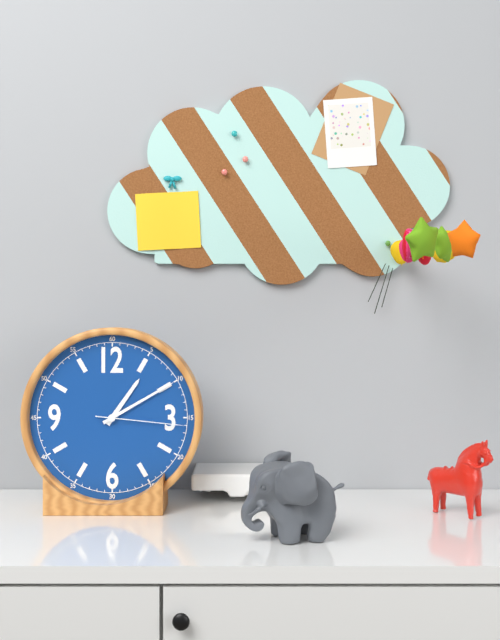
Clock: 1:10:16
